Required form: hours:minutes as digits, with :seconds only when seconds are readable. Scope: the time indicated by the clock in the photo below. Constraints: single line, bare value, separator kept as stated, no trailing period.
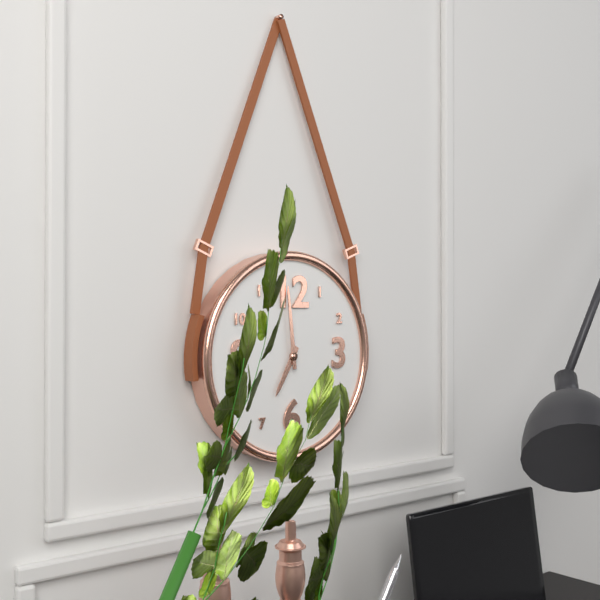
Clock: 6:59
